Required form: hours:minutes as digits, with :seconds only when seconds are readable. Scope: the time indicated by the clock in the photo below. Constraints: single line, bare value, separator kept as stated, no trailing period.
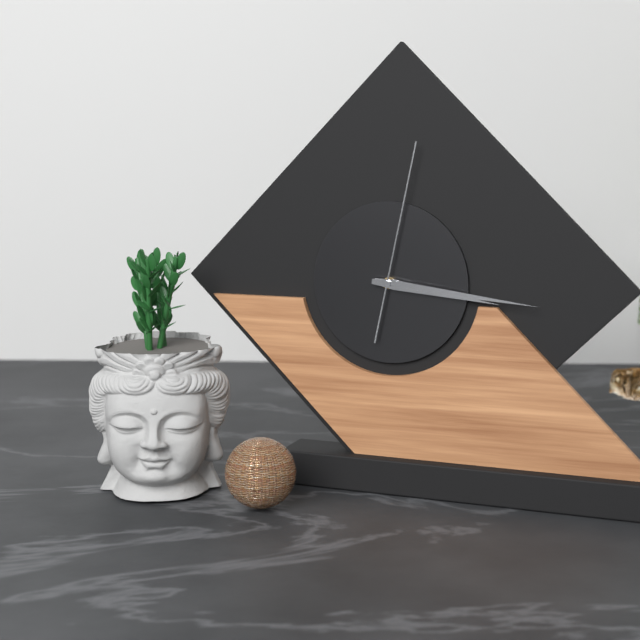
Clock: 3:16:02
